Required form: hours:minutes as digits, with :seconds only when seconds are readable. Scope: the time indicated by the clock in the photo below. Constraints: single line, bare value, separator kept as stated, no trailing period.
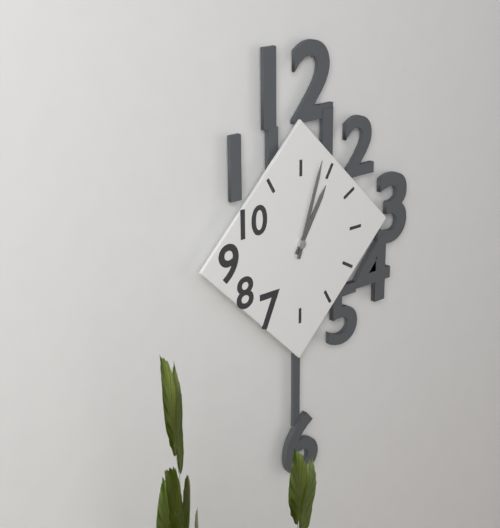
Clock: 1:03
